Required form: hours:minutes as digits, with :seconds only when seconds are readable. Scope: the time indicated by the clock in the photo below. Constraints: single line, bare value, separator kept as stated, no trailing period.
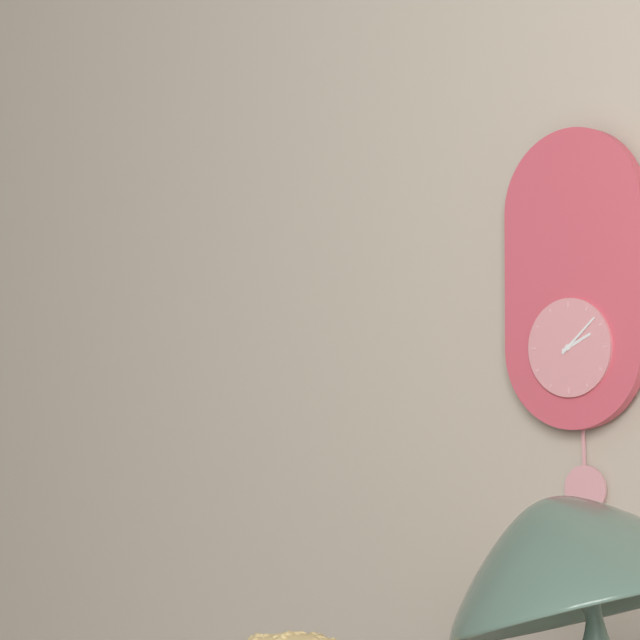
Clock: 2:08
